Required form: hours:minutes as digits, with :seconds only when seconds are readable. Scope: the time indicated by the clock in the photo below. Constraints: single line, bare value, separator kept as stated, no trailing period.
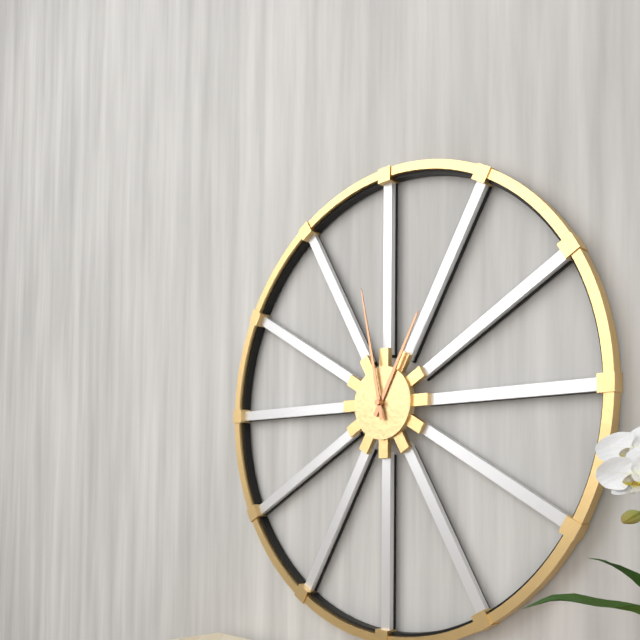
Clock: 12:58
